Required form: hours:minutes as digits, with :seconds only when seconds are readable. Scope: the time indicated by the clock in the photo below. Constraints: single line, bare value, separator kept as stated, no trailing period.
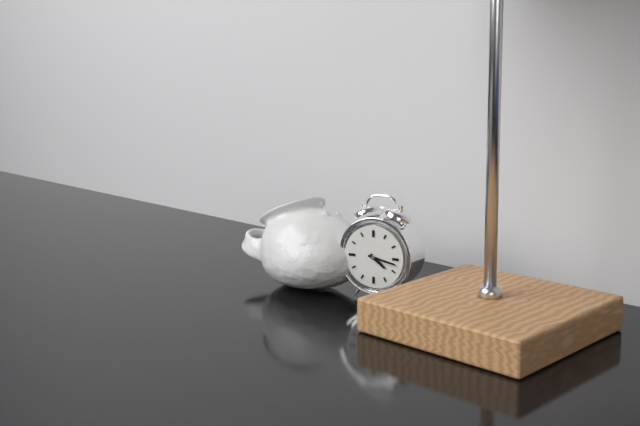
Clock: 4:17
